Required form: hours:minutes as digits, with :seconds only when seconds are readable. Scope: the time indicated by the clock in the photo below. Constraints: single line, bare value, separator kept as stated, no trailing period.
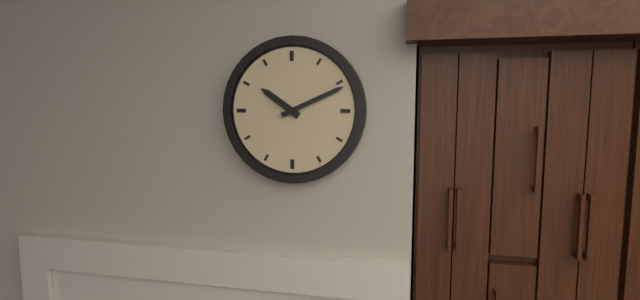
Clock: 10:11
